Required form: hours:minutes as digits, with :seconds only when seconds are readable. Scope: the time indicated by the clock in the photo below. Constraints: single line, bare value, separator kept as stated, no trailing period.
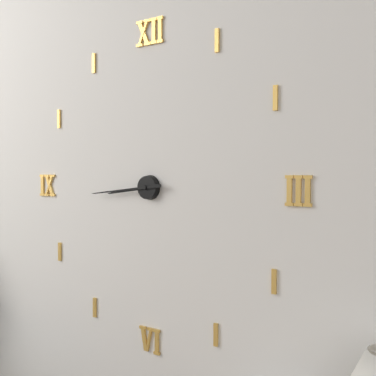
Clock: 8:44
